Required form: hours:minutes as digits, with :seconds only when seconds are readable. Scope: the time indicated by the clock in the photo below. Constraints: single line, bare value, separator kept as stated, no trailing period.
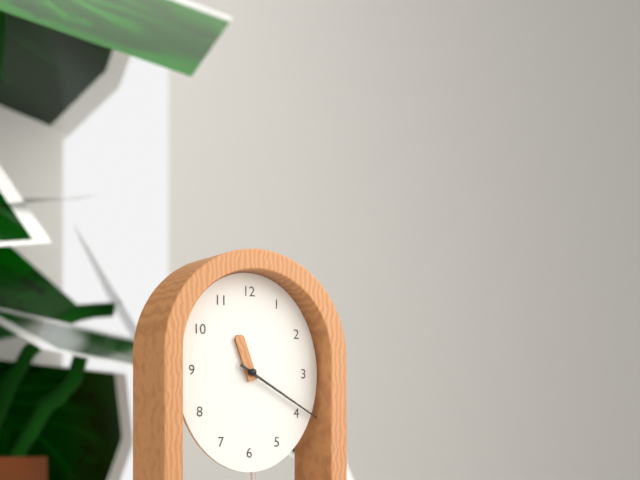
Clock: 11:20
